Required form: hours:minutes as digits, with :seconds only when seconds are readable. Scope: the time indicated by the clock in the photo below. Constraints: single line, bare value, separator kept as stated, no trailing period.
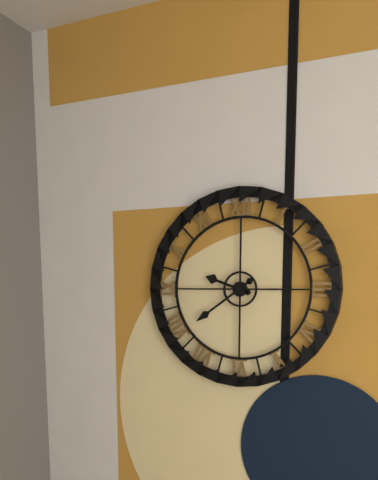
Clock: 9:39
